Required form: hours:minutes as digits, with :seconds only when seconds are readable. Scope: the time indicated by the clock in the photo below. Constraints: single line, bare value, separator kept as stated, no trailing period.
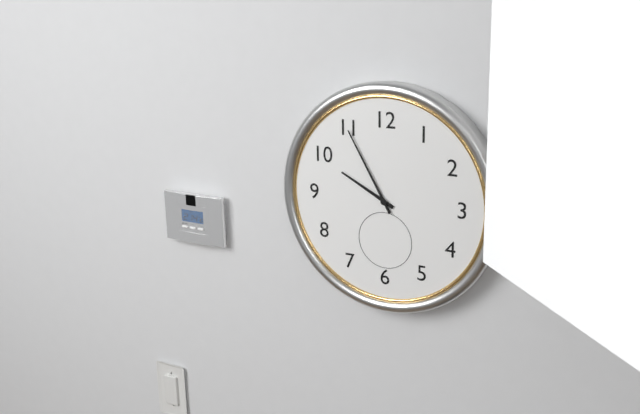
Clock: 9:55
